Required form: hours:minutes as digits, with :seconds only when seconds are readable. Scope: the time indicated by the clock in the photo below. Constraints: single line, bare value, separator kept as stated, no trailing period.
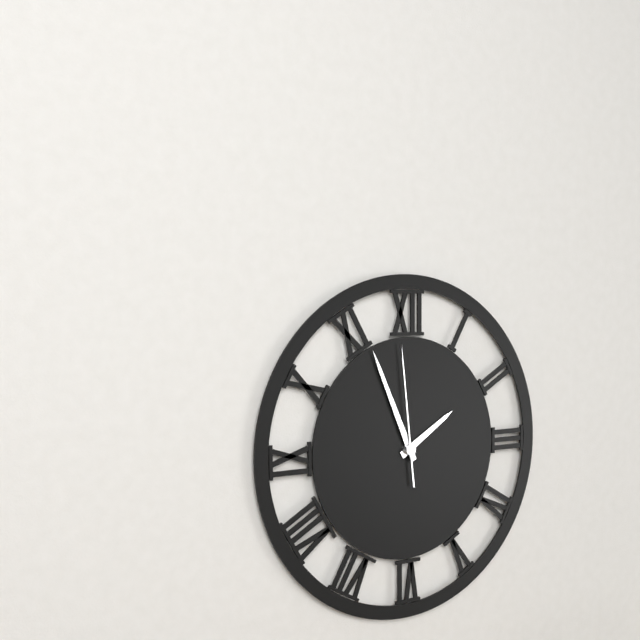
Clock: 1:56:59
